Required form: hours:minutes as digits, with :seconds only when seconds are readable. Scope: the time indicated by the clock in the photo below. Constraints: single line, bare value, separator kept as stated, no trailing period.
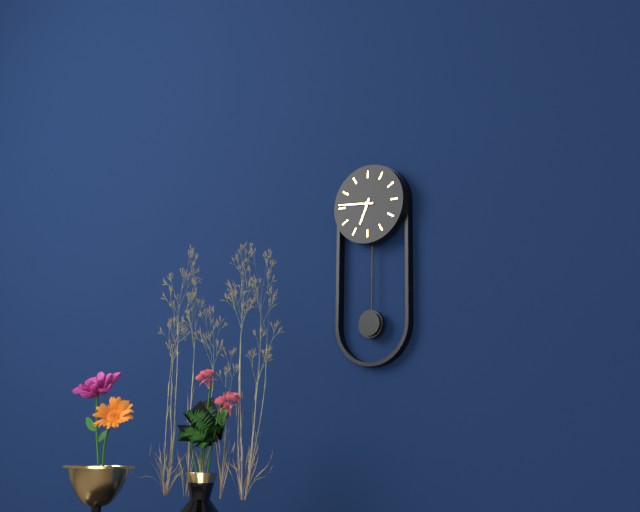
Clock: 6:46
